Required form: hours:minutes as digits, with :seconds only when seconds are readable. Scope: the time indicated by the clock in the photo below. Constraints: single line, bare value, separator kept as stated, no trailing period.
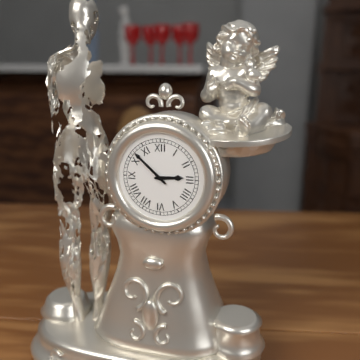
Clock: 2:52
